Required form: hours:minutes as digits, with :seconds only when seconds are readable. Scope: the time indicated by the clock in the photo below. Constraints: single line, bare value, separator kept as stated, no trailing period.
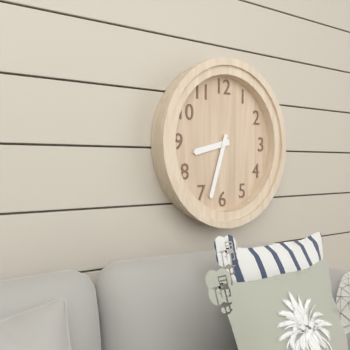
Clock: 8:33
